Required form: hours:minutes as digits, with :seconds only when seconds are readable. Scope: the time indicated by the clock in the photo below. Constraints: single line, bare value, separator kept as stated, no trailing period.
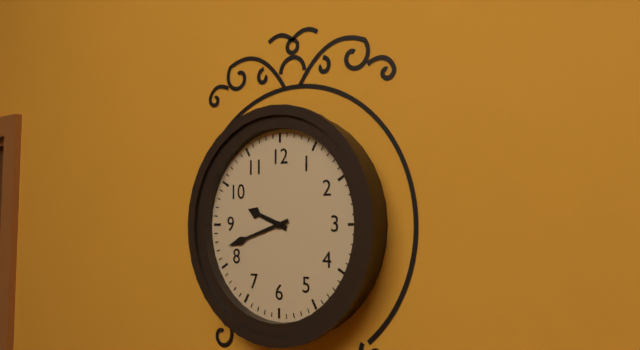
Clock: 9:42
